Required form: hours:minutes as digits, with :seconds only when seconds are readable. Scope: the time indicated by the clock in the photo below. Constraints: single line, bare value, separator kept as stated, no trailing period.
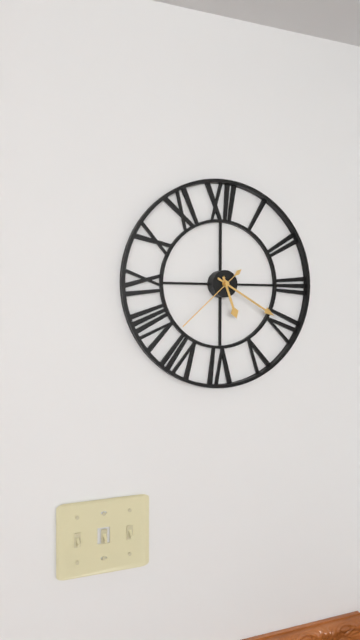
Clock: 5:20:38
